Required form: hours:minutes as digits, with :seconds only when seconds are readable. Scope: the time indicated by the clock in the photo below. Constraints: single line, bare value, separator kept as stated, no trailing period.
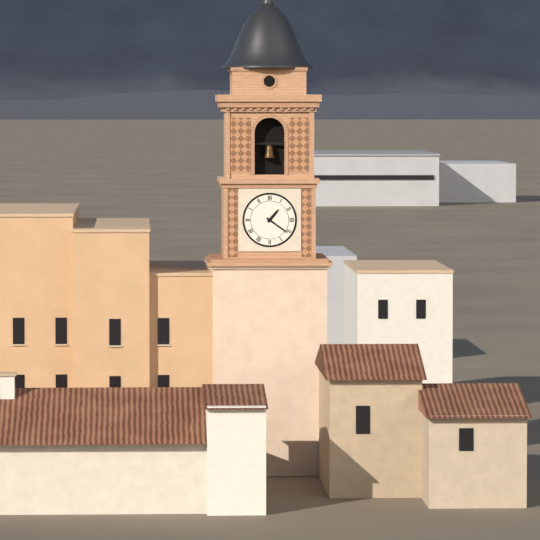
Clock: 1:21
